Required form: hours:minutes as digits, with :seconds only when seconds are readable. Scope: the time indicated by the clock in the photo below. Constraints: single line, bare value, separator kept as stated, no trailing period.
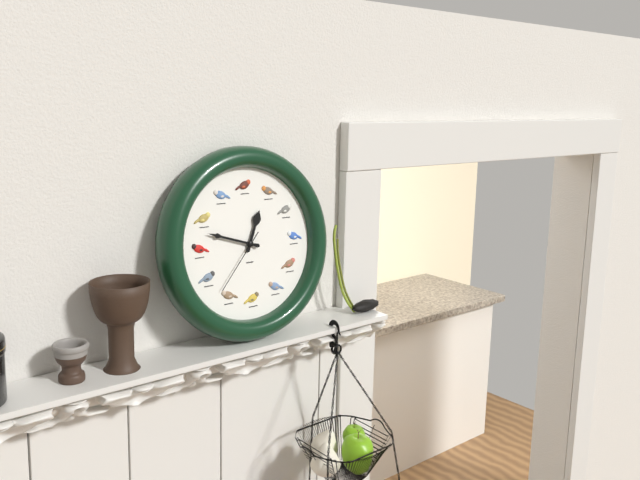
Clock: 12:48:37
